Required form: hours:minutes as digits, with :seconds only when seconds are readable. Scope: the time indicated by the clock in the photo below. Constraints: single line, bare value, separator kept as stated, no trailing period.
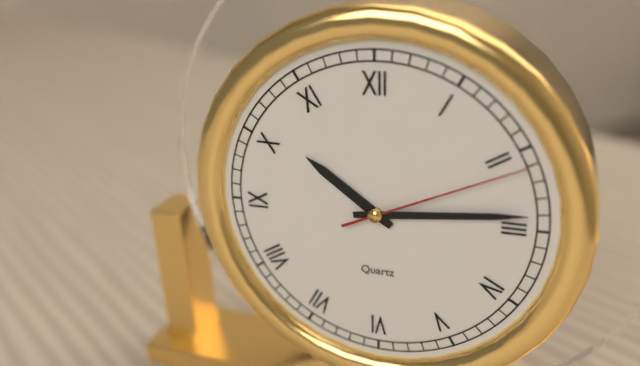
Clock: 10:14:11
